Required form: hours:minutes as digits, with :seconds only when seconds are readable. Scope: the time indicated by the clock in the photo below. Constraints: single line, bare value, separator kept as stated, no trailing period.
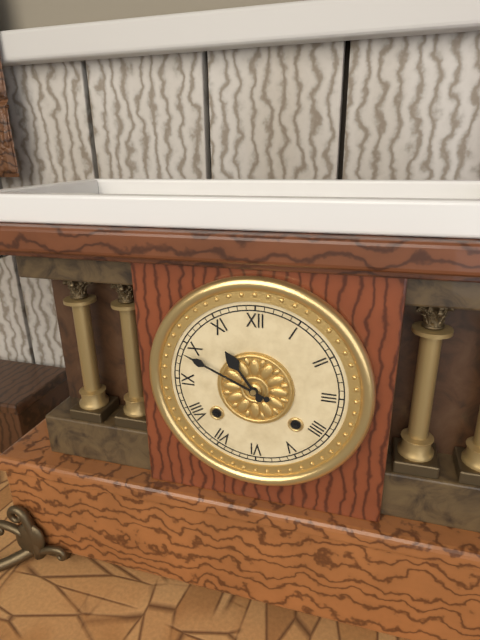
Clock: 10:49
